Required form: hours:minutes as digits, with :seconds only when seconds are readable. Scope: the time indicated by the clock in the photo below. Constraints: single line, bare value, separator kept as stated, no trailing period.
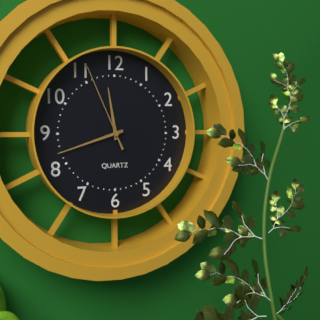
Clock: 11:42:56
